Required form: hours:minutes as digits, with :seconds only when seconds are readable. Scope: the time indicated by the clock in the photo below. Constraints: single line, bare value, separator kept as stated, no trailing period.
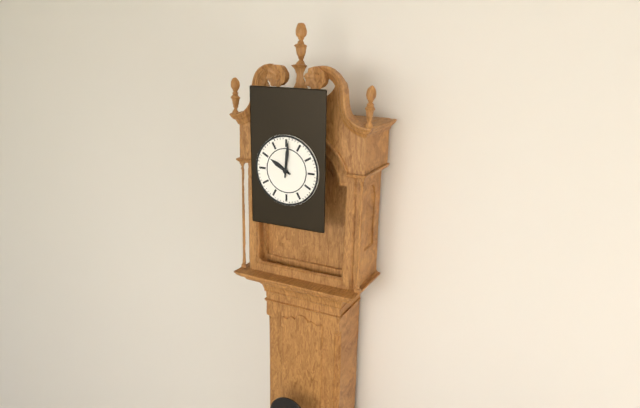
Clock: 10:01
